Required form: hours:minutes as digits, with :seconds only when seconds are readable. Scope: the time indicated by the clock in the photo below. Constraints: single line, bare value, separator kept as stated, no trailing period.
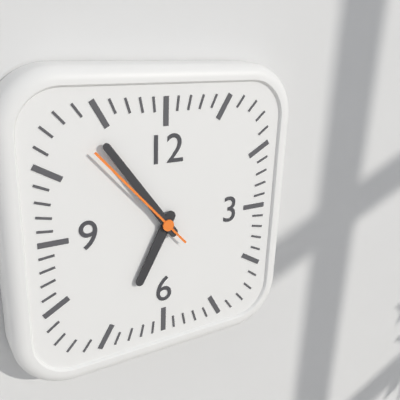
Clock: 6:54:53
